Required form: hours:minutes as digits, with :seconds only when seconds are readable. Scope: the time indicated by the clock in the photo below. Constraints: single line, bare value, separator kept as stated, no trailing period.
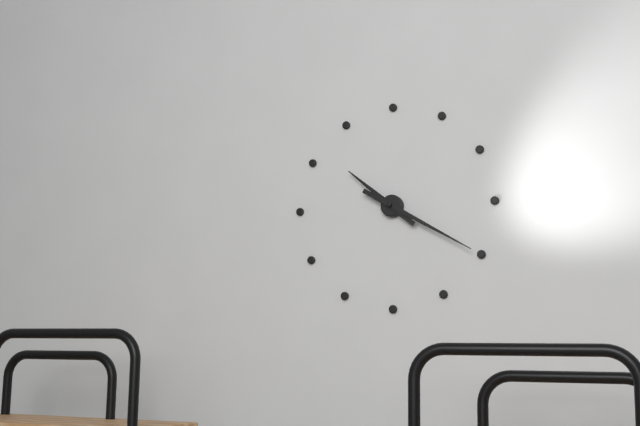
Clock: 10:20
